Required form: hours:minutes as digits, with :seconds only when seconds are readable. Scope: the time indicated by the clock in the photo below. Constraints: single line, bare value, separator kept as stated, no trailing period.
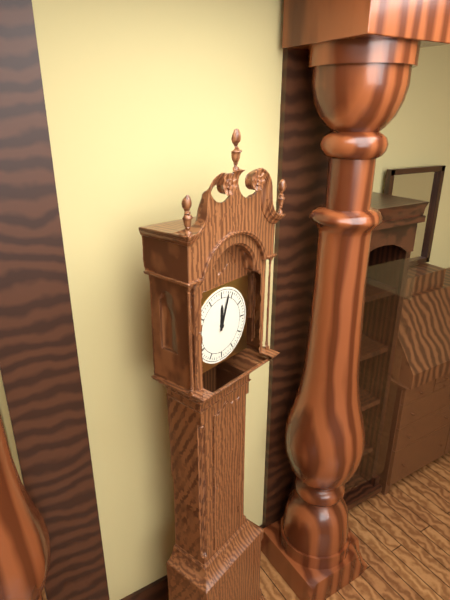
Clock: 12:03
